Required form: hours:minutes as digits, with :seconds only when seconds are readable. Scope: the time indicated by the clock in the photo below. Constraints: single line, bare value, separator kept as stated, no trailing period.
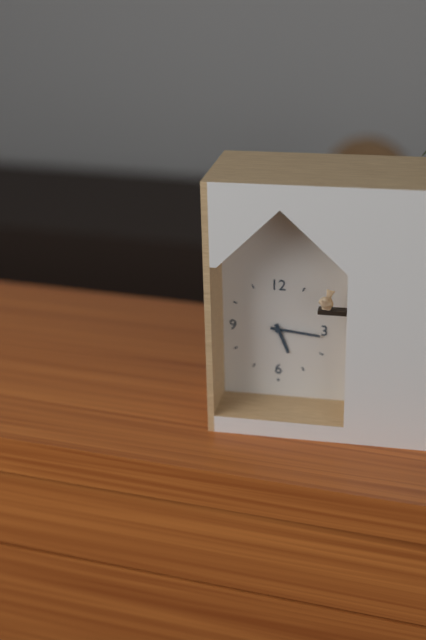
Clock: 5:16
